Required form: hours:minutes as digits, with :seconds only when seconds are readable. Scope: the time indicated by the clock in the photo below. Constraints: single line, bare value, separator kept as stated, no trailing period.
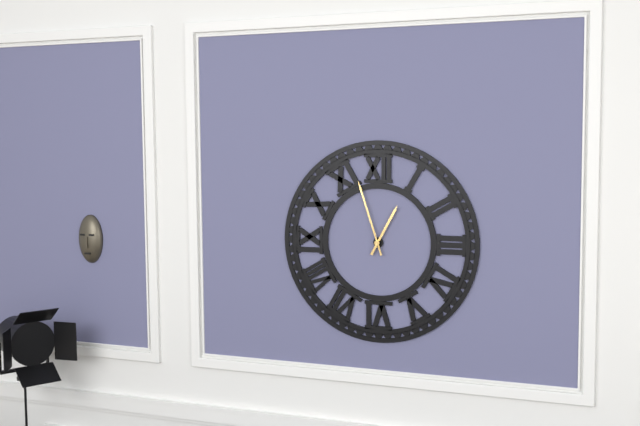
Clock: 12:57
